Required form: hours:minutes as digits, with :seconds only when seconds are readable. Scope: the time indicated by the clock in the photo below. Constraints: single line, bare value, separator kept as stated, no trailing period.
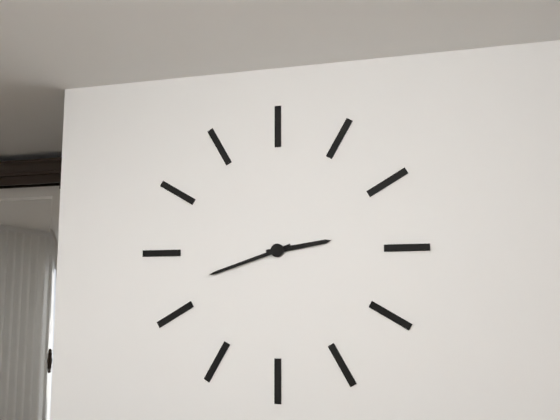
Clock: 2:42
